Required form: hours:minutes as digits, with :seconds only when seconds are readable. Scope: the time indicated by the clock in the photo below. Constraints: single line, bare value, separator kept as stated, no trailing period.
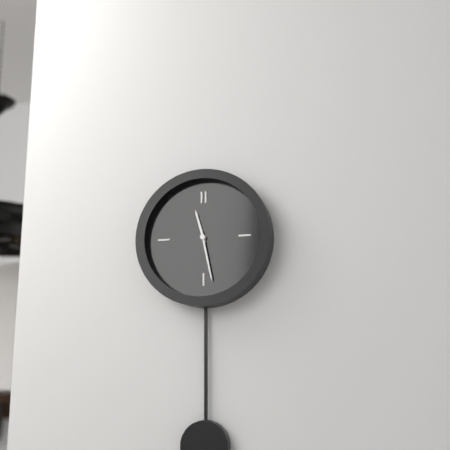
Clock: 11:28
